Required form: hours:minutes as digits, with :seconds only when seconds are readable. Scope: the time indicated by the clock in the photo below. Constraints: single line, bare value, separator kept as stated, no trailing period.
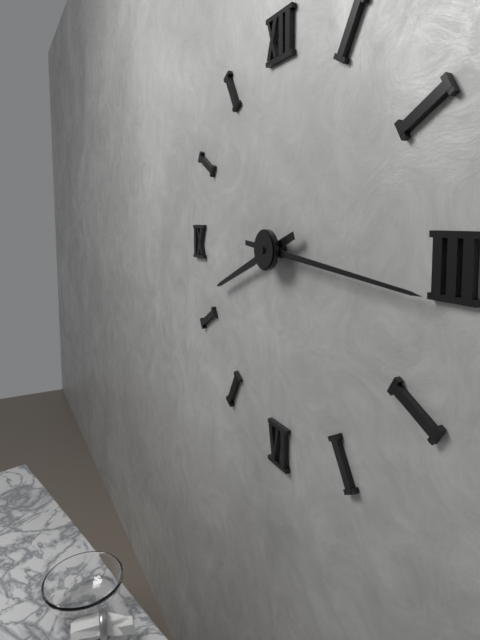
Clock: 8:16
